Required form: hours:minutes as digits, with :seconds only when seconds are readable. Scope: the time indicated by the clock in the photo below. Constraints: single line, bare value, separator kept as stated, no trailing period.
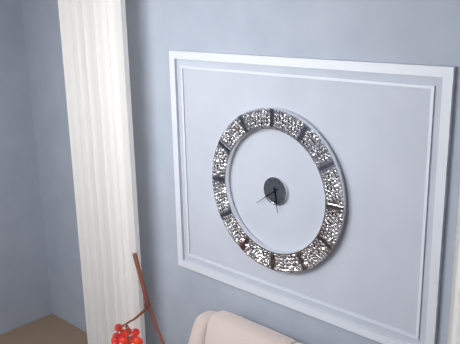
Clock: 5:39
